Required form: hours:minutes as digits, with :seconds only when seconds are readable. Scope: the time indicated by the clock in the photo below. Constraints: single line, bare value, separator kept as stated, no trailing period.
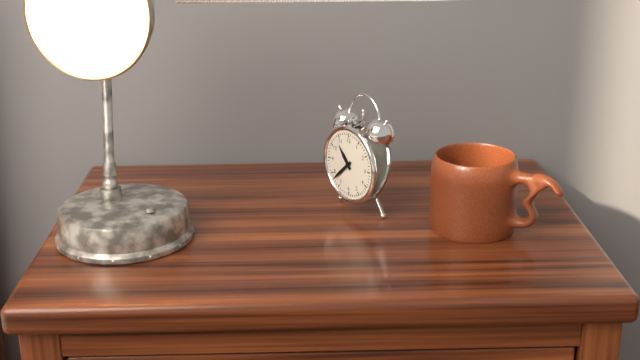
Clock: 10:38
